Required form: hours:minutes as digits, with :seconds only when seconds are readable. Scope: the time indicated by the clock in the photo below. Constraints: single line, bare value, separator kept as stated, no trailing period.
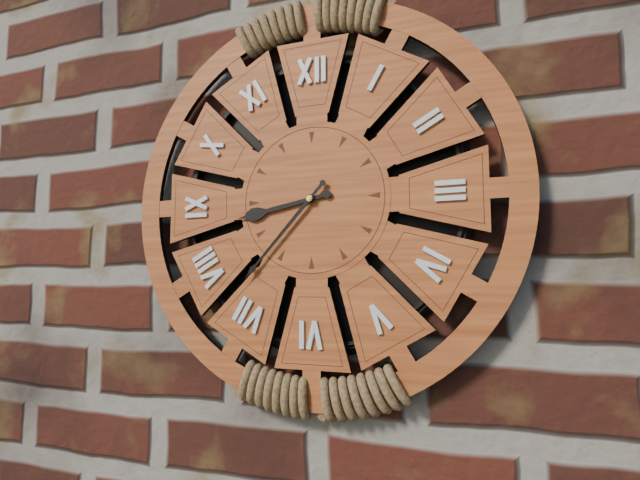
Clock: 8:37
